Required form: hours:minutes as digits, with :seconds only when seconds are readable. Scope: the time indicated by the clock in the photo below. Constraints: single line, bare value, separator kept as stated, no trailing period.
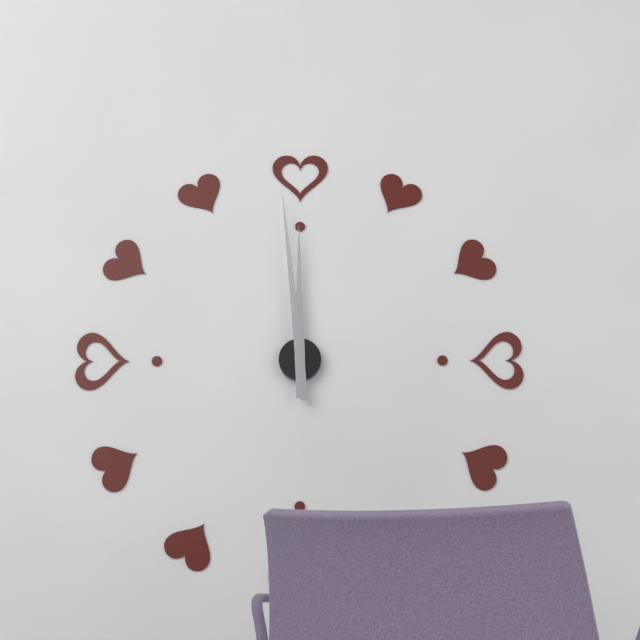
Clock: 11:59
